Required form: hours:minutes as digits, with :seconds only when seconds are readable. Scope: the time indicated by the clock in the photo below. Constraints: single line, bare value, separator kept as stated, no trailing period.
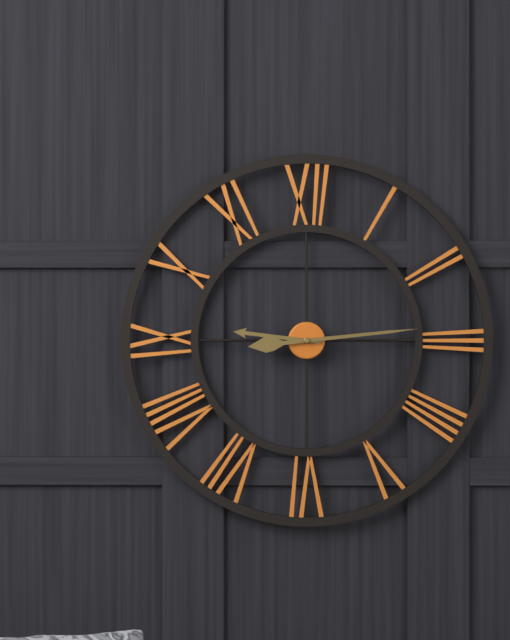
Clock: 9:14
